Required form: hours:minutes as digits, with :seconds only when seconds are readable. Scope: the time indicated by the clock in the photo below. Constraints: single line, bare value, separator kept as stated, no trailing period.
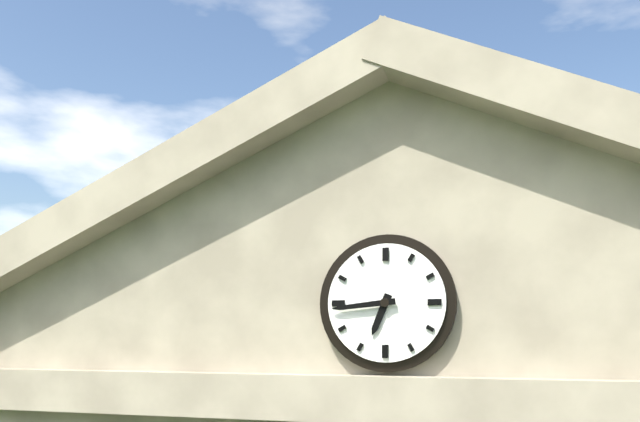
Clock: 6:44
